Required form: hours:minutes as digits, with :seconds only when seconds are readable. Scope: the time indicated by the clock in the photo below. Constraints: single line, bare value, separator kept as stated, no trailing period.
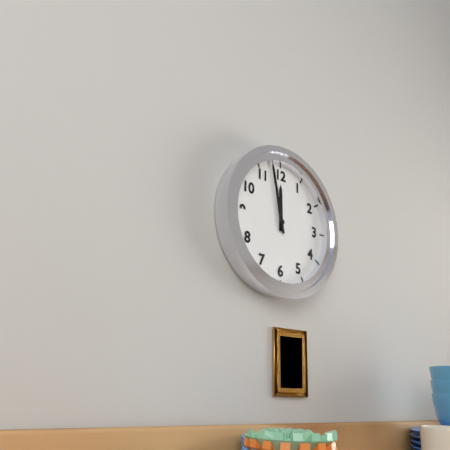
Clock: 11:58
